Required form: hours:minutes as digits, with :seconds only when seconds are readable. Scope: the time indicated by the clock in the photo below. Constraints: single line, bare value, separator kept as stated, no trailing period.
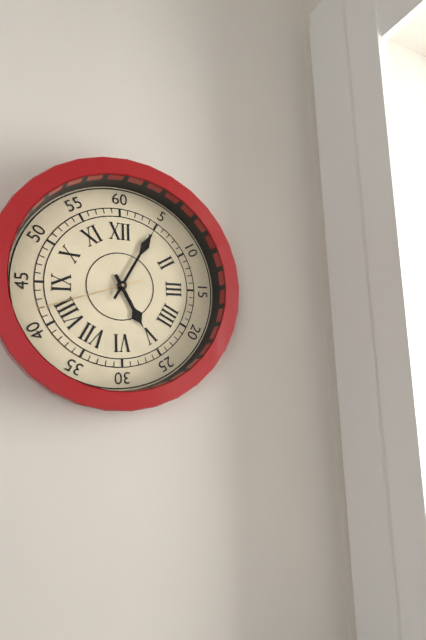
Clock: 5:05:42
